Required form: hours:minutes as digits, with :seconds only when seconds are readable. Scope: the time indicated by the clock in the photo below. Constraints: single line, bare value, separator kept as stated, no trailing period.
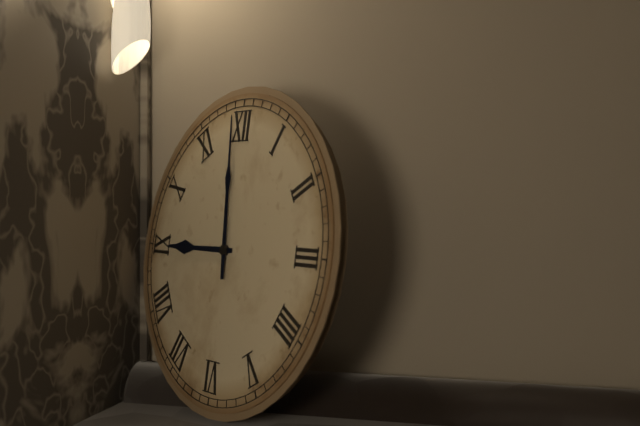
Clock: 8:59
